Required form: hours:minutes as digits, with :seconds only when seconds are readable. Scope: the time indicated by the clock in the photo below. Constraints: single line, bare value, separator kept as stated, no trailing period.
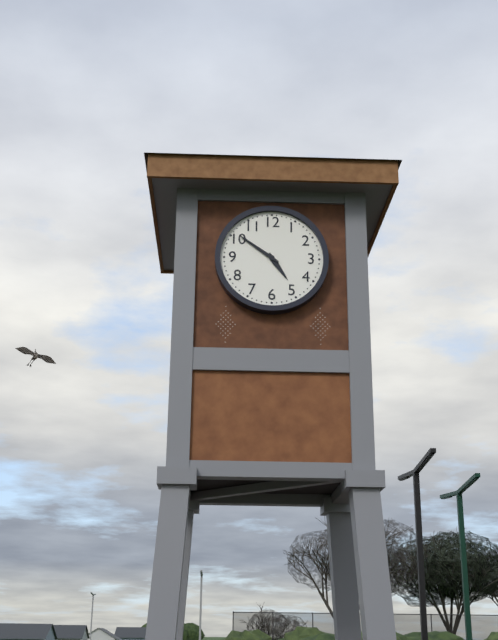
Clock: 4:51
